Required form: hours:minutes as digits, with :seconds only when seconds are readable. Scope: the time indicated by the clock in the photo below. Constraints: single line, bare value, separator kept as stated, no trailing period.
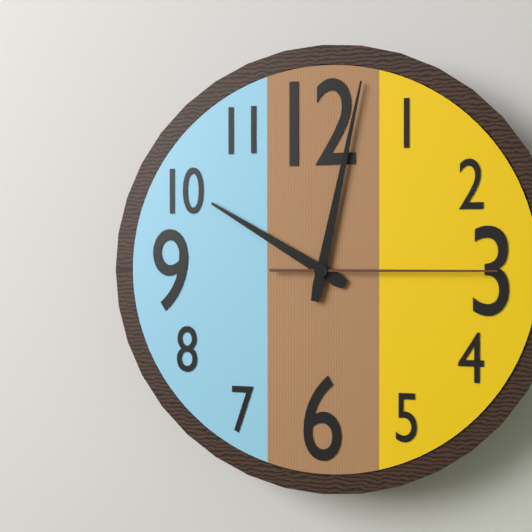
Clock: 10:02:15
